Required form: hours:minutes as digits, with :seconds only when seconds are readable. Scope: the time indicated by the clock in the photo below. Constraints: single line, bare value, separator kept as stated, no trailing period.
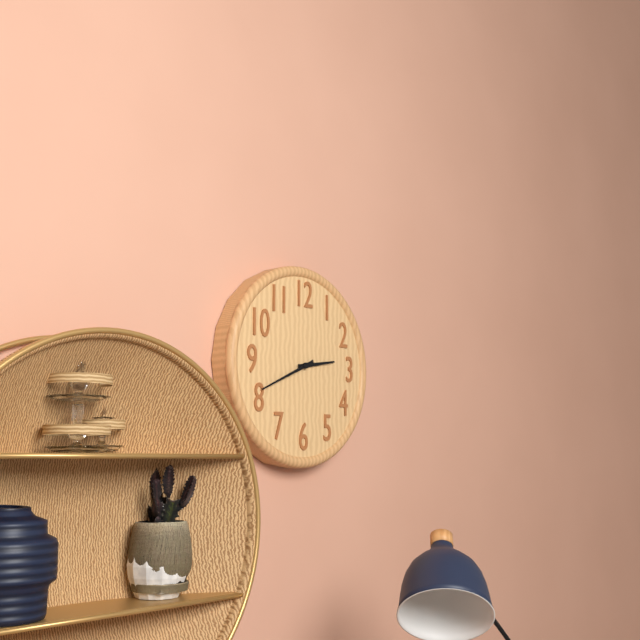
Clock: 2:41
